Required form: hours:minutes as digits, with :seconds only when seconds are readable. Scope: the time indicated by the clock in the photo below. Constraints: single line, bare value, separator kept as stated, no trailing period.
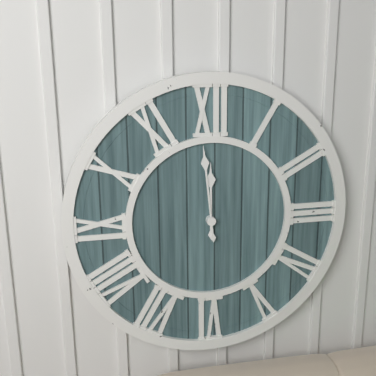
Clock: 11:59
